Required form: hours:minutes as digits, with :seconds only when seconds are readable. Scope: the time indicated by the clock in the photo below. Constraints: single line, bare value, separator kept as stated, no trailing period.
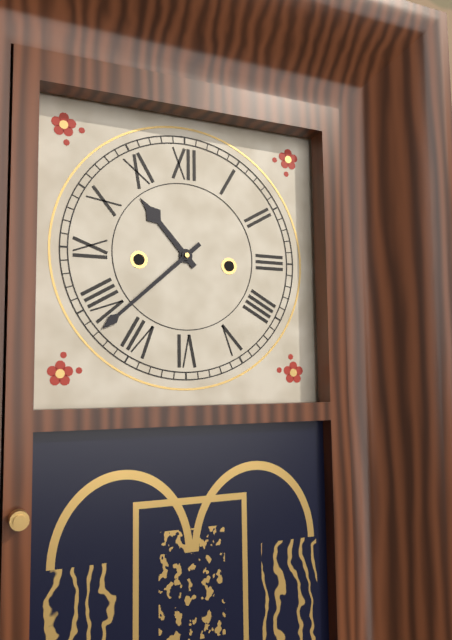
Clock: 10:38
